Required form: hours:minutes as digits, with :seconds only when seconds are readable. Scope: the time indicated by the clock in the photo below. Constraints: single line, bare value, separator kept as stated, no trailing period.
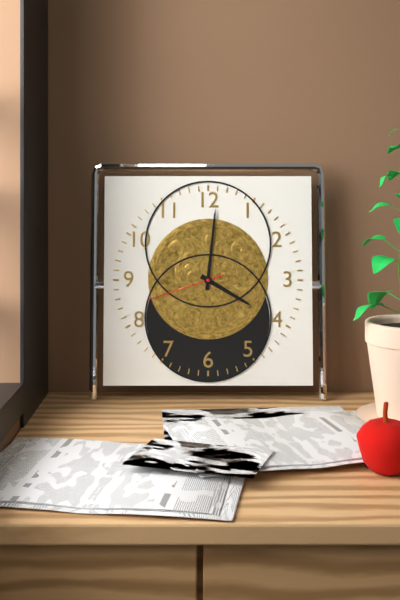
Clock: 4:01:42
